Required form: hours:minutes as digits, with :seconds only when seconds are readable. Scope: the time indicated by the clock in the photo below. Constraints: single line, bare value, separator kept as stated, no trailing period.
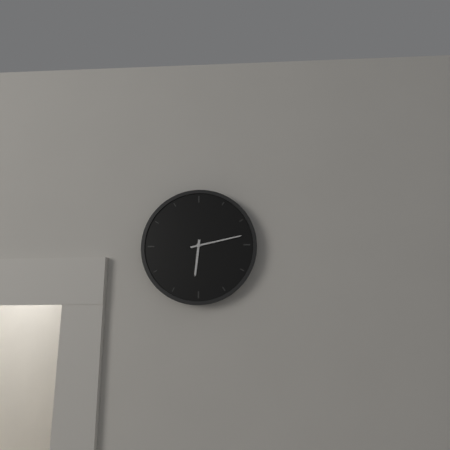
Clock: 6:13
